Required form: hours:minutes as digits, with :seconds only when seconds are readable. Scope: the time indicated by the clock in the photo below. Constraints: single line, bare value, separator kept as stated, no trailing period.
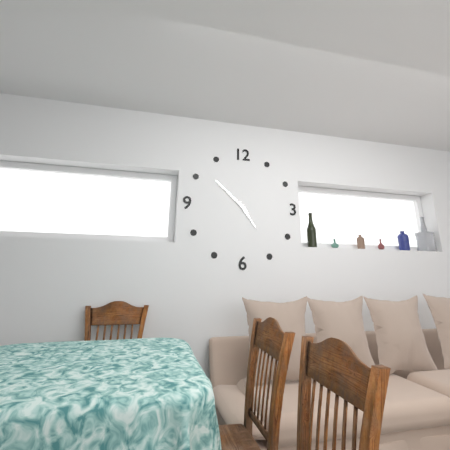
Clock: 4:52
